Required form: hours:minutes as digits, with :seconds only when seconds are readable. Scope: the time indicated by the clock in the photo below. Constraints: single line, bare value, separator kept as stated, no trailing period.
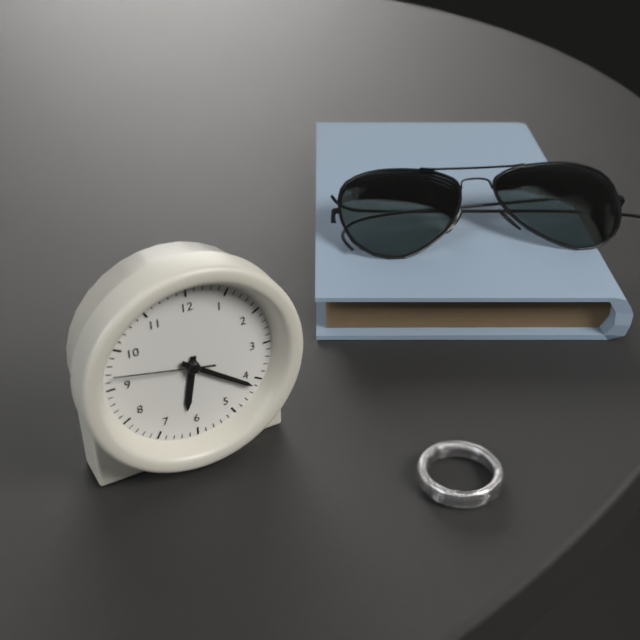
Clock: 6:21:47
